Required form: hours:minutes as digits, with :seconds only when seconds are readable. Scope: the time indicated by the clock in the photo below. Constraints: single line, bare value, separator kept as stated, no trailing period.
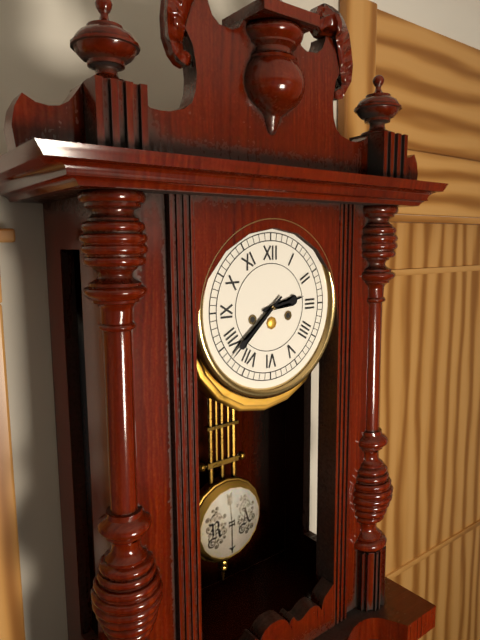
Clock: 2:38
